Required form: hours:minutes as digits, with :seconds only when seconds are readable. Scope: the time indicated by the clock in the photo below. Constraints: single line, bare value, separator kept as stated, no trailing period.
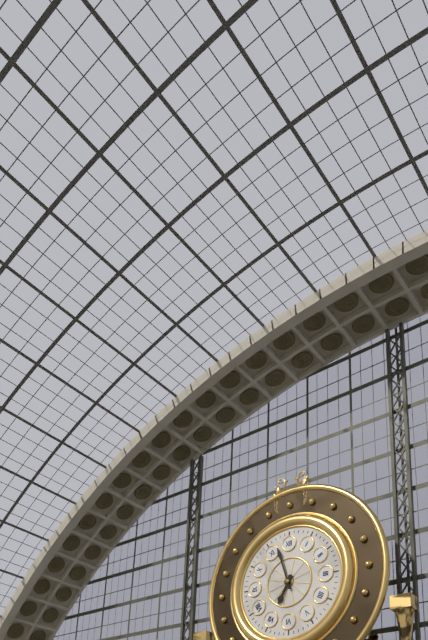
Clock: 6:57
